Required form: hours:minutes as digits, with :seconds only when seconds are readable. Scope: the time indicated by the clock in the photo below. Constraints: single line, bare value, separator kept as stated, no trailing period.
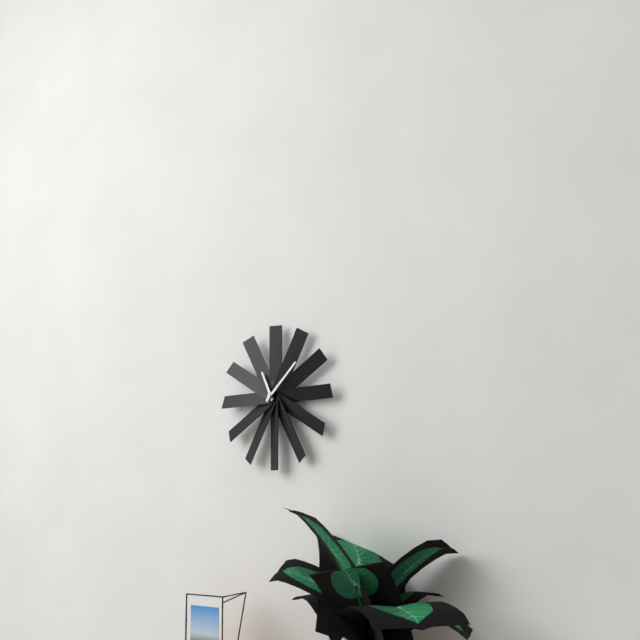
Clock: 11:08
